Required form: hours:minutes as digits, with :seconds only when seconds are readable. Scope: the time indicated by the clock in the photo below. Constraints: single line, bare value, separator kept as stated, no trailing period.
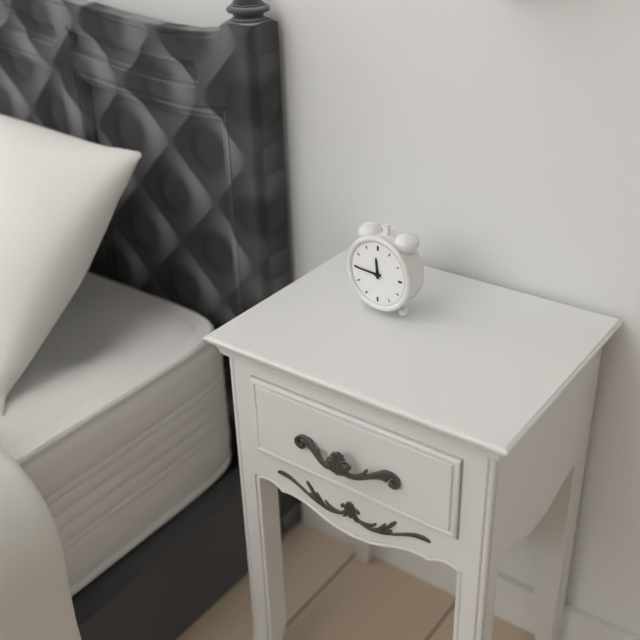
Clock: 11:45
